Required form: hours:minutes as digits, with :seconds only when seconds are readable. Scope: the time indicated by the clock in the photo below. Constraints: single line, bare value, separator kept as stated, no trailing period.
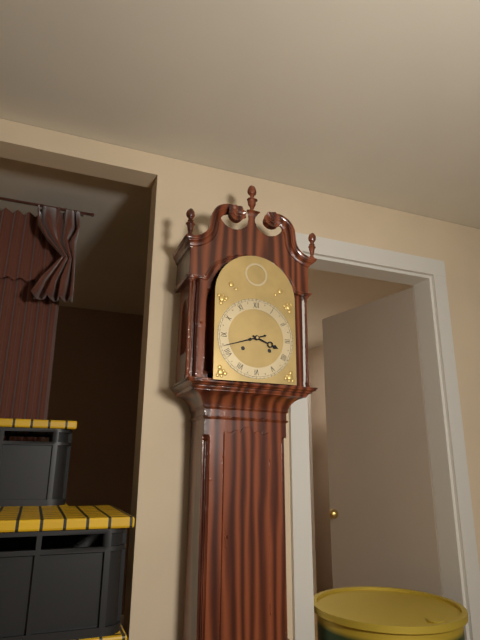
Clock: 3:42
